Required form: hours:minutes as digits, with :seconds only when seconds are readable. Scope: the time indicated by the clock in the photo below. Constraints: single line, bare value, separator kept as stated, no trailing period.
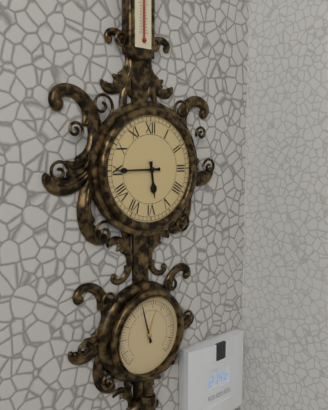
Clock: 5:45
